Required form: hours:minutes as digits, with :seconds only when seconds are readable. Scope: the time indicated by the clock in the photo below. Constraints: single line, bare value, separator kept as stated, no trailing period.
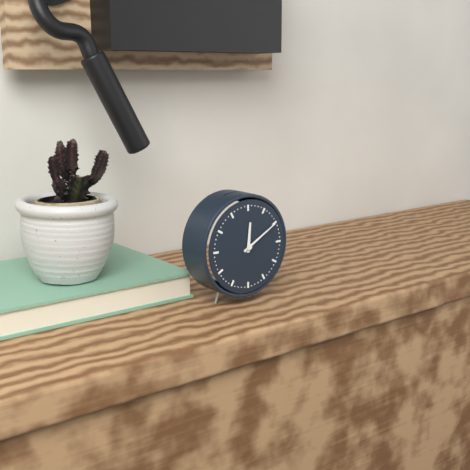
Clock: 12:10
